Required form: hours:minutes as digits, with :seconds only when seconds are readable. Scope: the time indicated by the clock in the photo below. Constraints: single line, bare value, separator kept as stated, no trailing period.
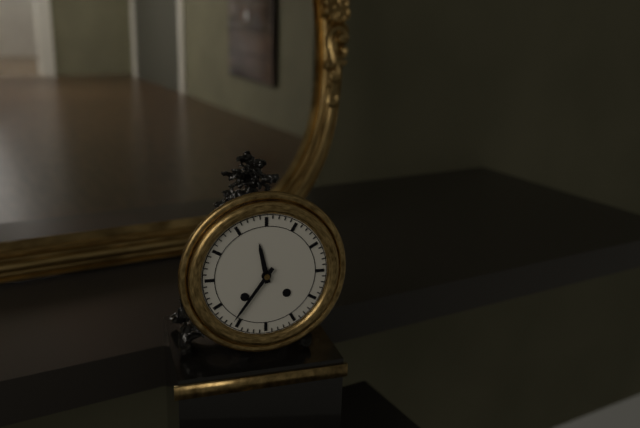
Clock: 11:36
